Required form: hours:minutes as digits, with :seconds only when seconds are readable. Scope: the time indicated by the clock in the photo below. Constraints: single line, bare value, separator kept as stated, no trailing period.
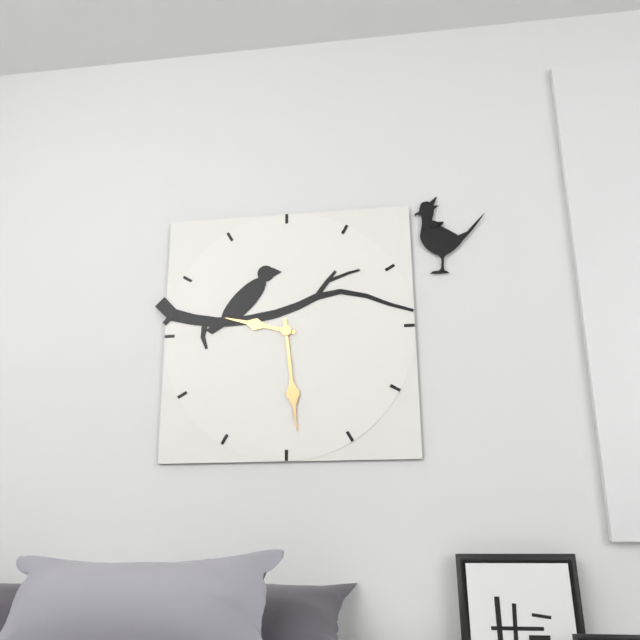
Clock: 9:29
